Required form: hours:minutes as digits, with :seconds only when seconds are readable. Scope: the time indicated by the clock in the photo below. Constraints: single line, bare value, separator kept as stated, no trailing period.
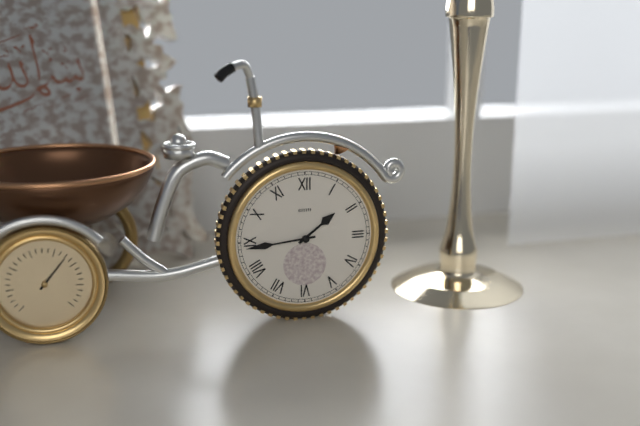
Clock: 1:44
